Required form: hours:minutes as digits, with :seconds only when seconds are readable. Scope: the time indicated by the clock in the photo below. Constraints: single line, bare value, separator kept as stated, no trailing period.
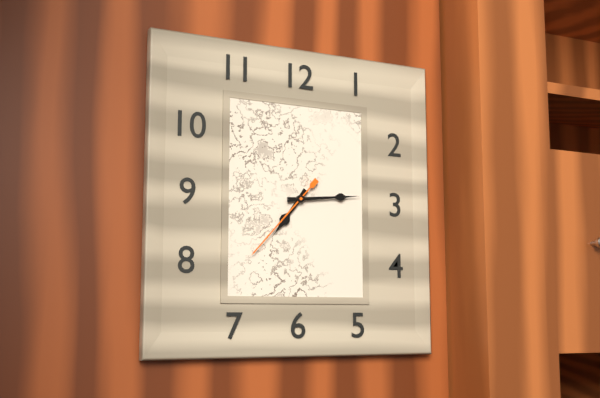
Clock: 7:14:37
